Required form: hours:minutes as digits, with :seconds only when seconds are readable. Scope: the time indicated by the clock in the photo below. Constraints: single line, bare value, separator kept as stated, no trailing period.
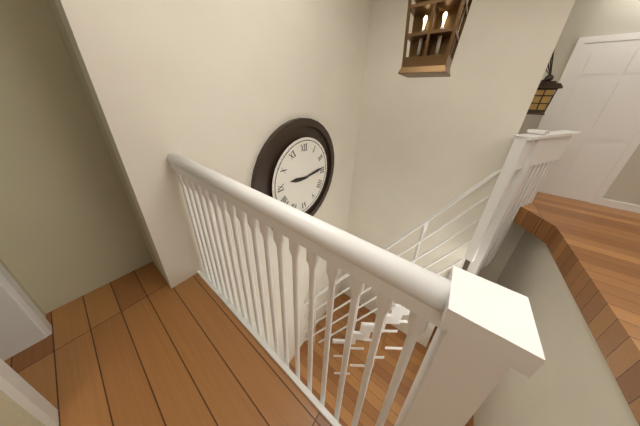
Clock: 9:14
